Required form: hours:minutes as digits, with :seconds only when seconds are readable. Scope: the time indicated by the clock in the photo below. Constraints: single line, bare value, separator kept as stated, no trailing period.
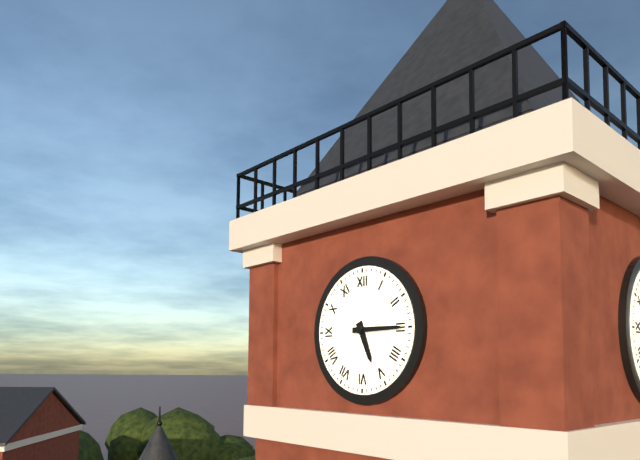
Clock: 5:15
